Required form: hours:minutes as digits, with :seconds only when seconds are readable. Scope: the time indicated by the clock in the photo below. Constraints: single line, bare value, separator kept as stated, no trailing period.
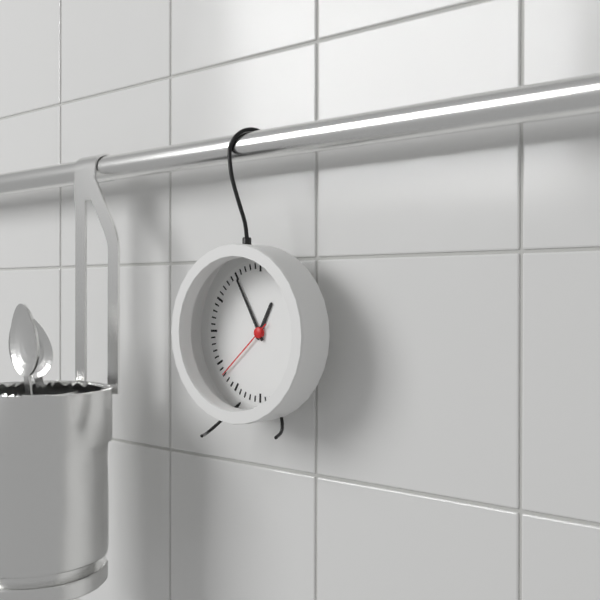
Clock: 12:55:38
